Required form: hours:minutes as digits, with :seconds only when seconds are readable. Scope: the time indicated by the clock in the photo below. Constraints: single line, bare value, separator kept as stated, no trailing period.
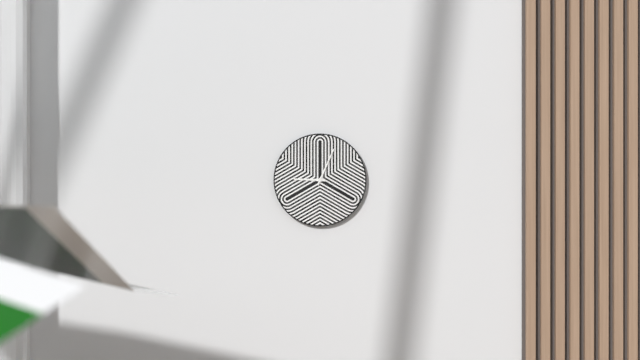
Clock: 9:04
